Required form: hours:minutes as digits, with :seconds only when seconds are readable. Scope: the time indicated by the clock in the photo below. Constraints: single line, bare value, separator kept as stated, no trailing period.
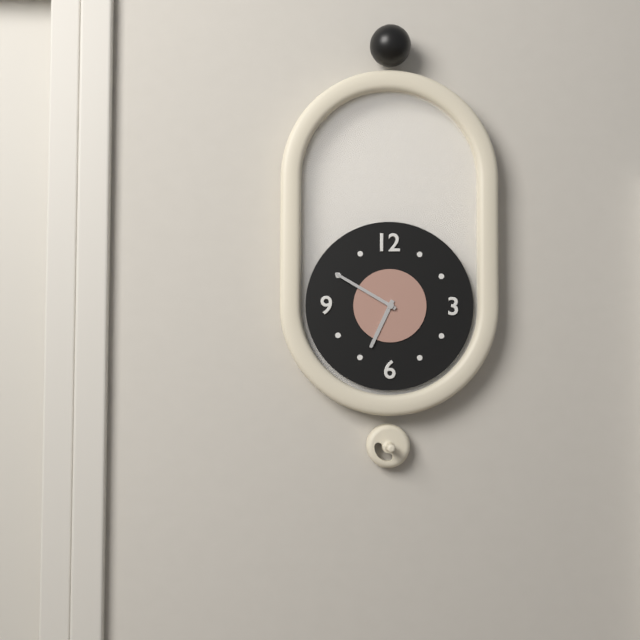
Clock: 6:50
